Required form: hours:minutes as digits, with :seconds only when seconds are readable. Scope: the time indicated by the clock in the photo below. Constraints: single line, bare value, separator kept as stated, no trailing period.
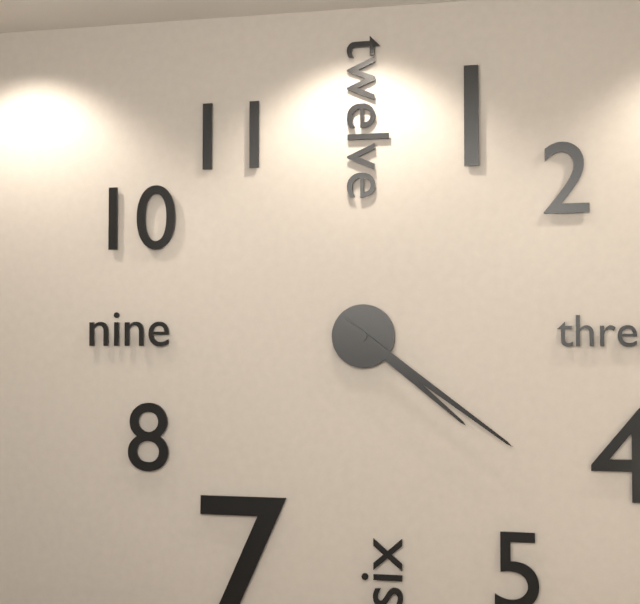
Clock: 4:21
